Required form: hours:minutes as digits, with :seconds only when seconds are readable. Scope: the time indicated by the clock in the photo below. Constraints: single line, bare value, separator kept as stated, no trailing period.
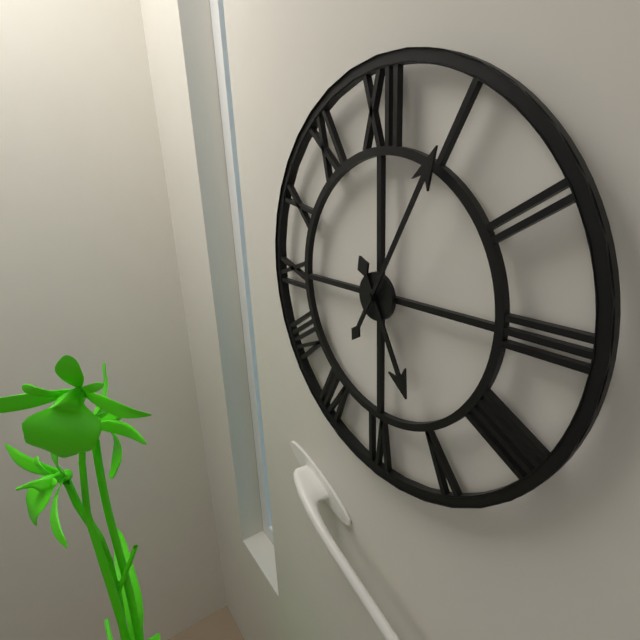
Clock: 5:05
